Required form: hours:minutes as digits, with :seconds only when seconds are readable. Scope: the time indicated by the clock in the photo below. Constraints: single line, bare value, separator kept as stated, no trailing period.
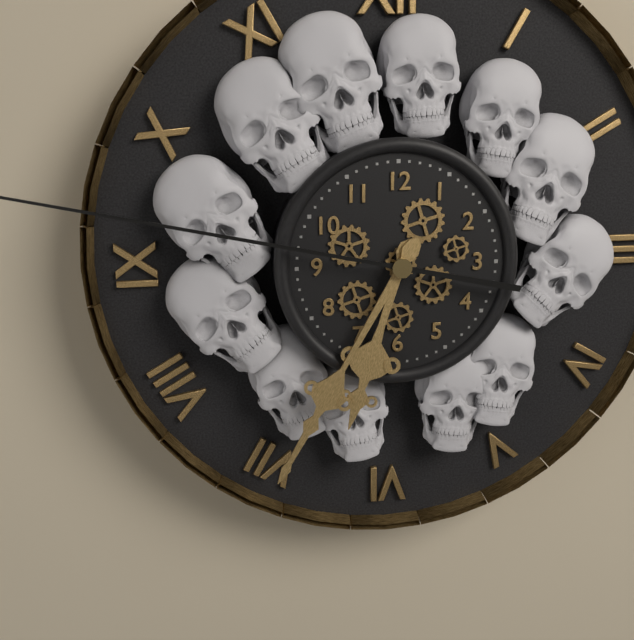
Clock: 6:35
